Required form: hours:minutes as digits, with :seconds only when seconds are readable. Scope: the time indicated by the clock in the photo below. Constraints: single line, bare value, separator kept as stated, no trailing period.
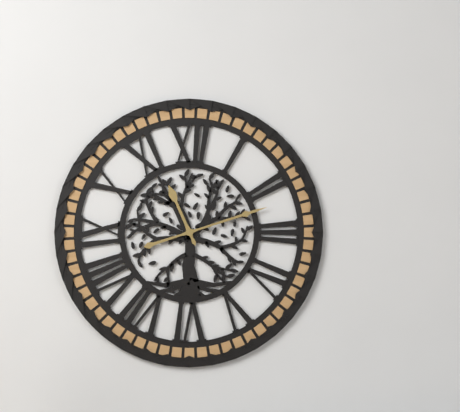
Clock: 11:12
